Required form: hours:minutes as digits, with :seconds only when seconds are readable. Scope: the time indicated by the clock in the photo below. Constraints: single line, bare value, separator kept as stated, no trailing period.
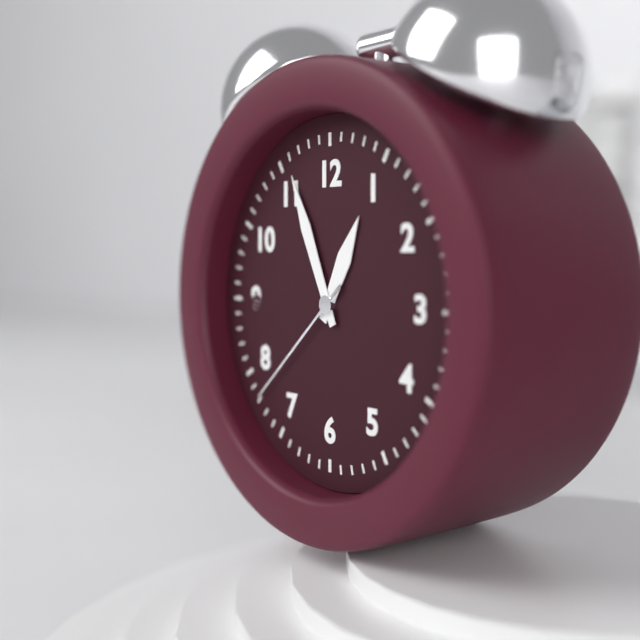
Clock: 12:56:38
